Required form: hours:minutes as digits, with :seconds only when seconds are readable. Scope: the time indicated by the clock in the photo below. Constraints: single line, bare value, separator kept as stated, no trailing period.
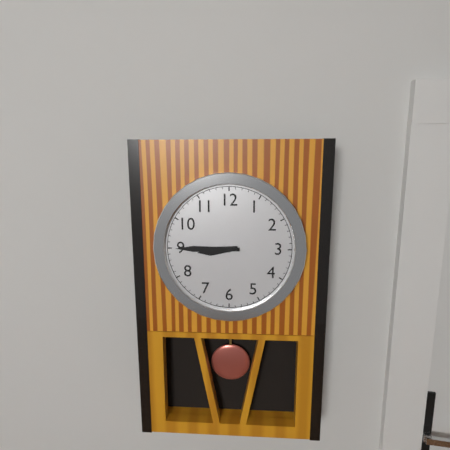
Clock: 8:45
